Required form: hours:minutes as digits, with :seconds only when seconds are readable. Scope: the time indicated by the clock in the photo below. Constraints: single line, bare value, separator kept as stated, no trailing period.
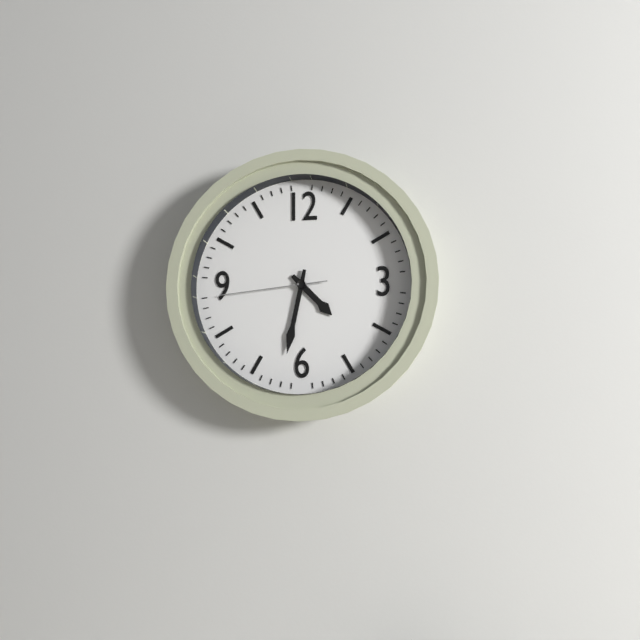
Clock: 4:32:44
